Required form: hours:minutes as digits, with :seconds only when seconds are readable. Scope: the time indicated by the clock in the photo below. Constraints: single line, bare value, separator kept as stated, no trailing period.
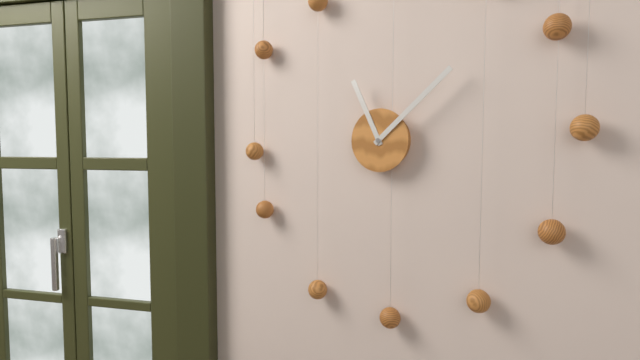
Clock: 11:08
